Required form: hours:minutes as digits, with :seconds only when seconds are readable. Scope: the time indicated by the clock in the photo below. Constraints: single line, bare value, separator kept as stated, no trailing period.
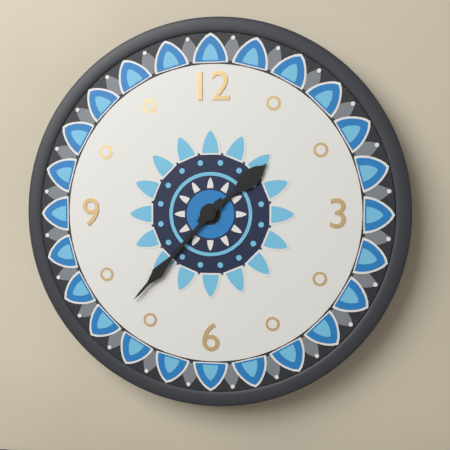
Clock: 1:37
